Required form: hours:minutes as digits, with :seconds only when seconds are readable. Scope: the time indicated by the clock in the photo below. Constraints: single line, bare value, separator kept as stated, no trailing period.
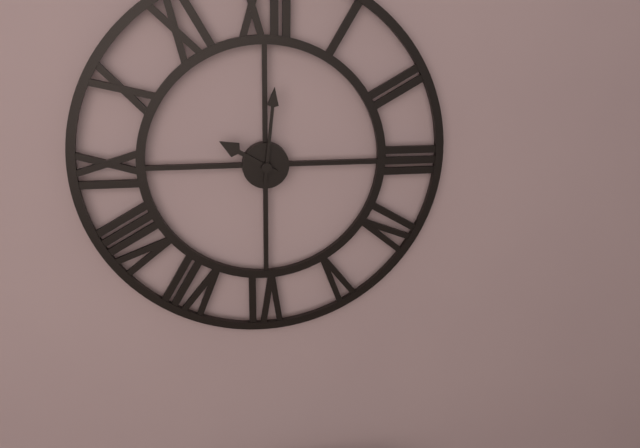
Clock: 10:01
